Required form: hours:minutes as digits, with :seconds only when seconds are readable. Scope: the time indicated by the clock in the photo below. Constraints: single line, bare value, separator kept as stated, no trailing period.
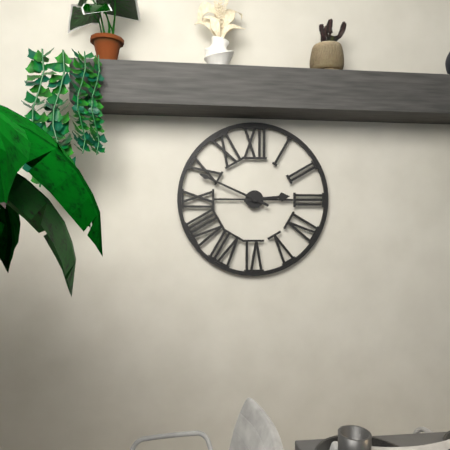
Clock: 2:49
